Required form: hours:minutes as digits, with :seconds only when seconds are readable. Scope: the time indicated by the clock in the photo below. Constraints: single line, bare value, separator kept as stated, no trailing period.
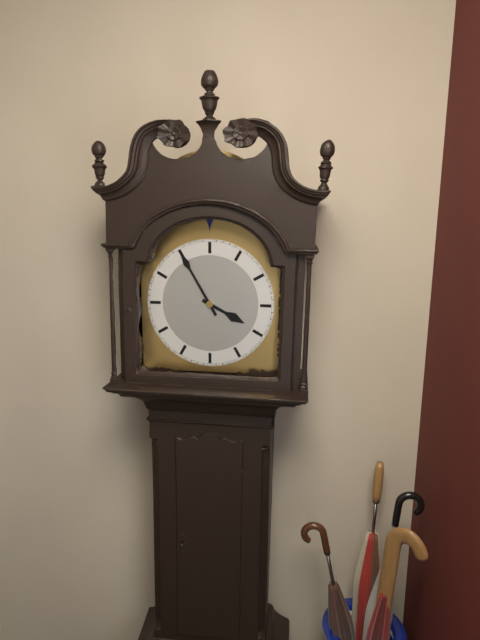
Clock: 3:55
